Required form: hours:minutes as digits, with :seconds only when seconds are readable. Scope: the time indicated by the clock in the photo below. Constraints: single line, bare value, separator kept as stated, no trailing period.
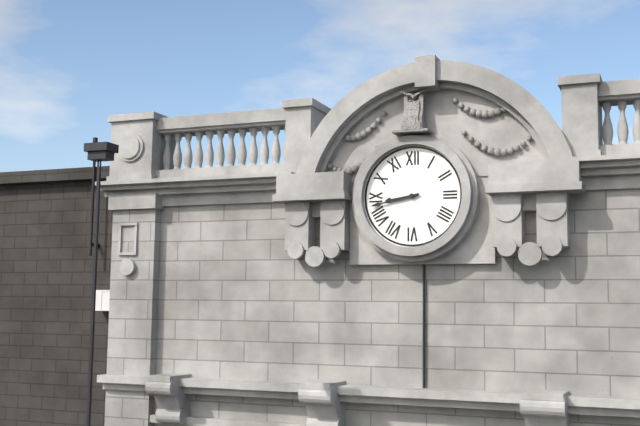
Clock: 8:43
